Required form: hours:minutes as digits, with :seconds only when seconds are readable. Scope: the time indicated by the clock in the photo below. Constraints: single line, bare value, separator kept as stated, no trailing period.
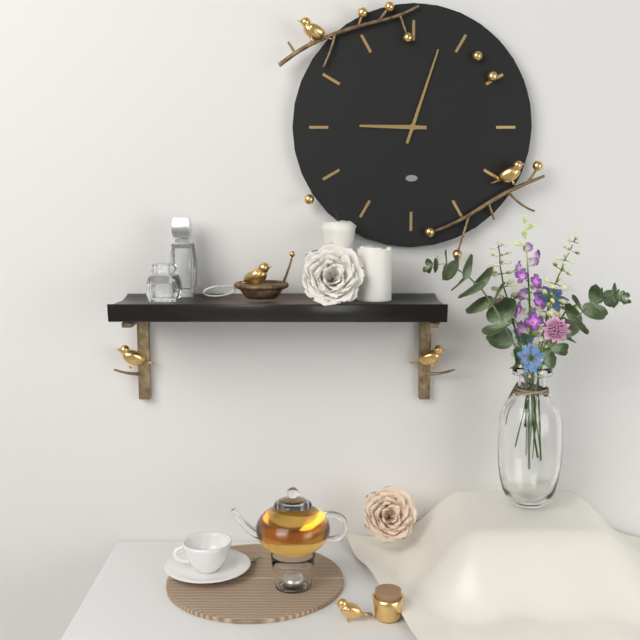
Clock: 9:03
